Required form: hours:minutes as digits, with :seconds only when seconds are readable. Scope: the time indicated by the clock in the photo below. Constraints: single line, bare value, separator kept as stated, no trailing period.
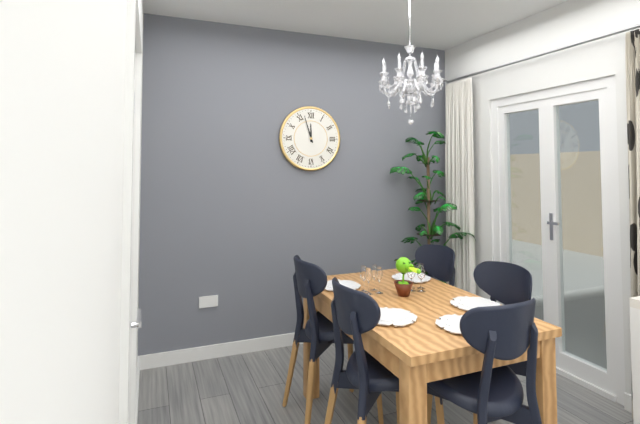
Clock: 11:57
